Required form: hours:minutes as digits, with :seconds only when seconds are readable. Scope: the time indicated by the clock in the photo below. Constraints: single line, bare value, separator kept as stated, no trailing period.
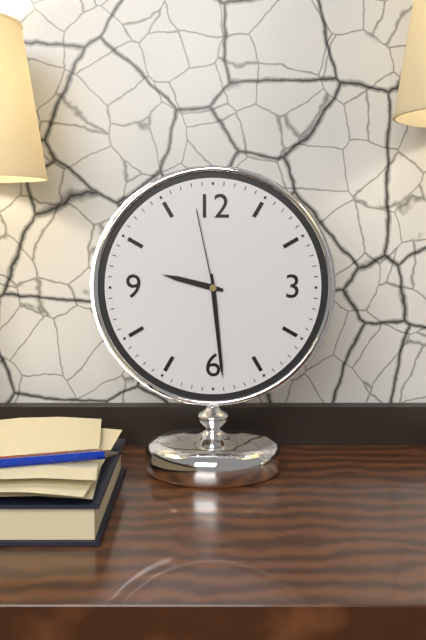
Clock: 9:29:58
